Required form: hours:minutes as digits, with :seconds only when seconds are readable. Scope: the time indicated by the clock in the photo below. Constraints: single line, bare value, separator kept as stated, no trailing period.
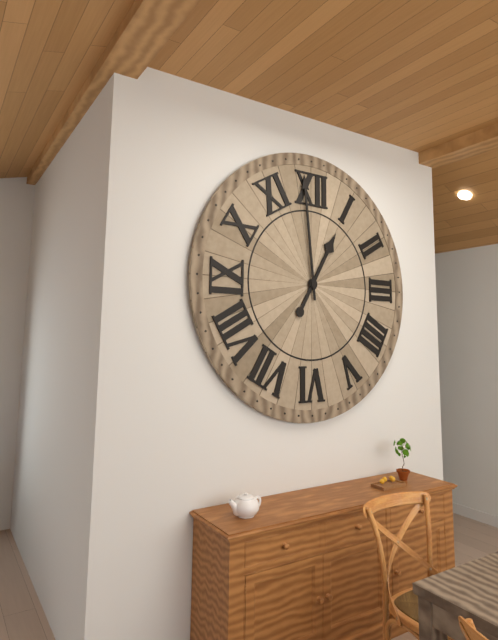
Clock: 12:59
